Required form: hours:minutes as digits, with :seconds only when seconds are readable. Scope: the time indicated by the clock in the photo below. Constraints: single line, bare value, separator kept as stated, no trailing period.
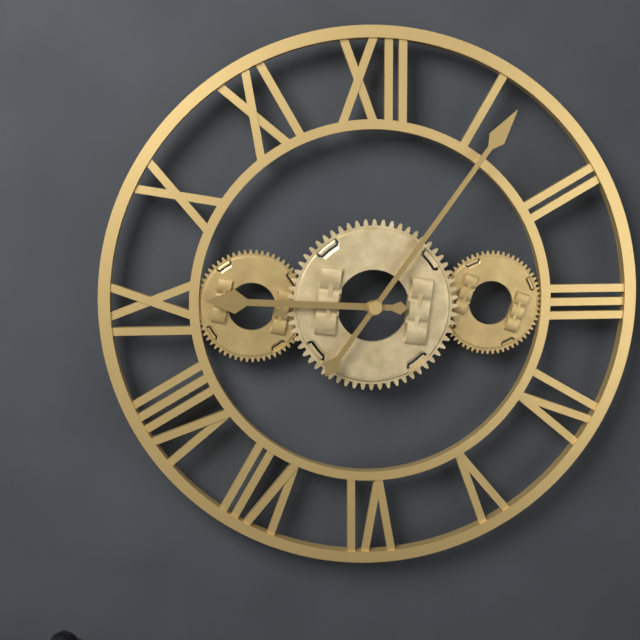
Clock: 9:06
